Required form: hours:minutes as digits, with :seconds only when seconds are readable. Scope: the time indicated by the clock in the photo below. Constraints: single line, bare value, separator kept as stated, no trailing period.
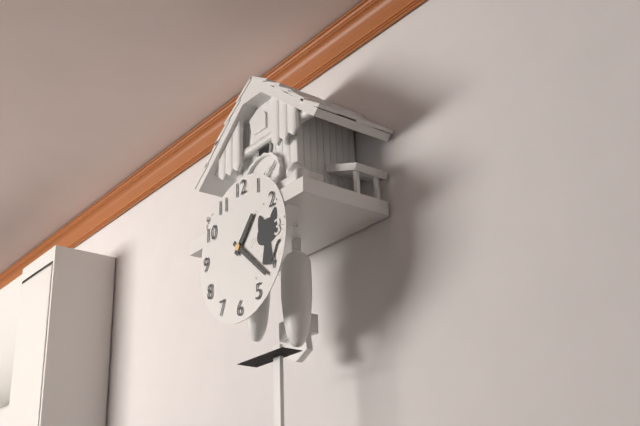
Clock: 1:22
